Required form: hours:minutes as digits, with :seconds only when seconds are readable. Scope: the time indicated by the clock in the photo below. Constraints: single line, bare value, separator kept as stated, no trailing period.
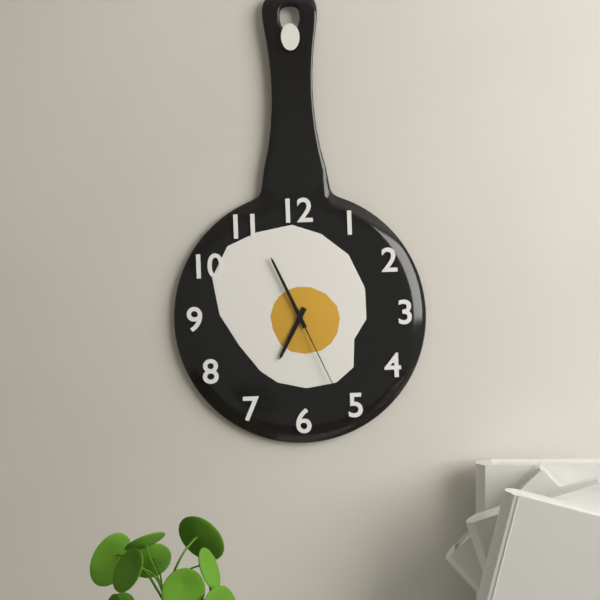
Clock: 6:56:26
